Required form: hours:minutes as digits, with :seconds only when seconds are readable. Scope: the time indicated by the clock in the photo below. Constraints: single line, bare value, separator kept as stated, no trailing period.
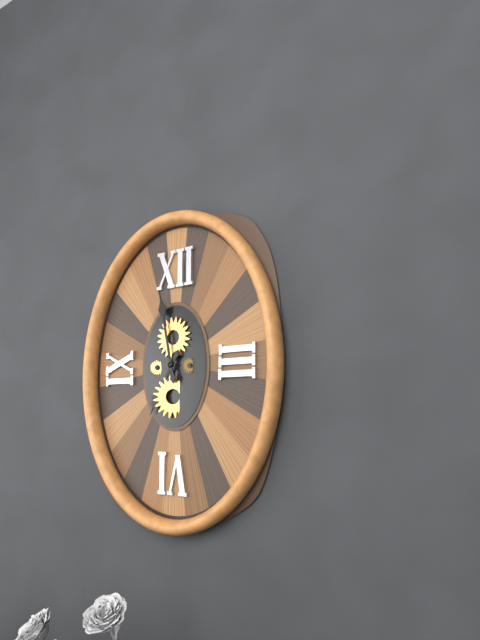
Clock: 6:58
